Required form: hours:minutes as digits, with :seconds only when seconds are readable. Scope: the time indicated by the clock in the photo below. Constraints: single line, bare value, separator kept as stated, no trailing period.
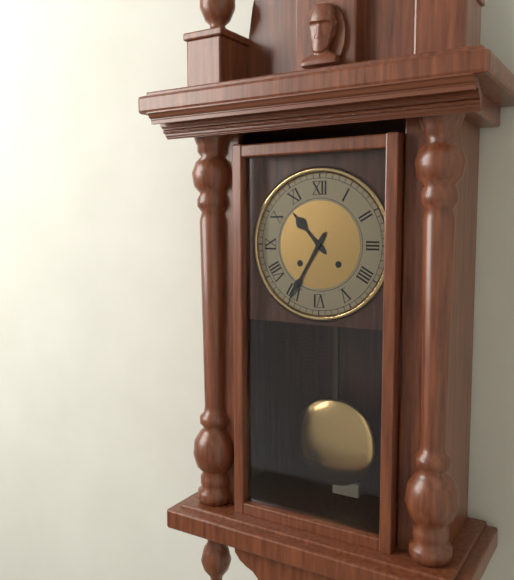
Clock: 10:35
